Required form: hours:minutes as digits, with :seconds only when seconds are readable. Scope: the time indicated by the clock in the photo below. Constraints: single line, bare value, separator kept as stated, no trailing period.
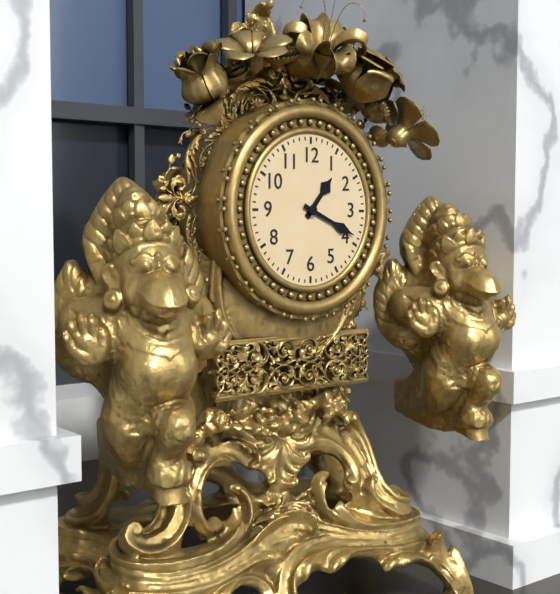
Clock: 1:19
